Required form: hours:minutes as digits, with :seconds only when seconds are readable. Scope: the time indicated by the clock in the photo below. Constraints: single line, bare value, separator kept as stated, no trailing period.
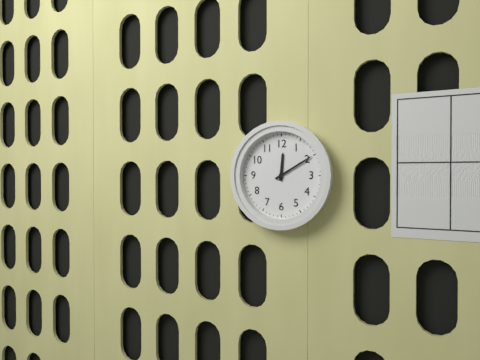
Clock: 12:10
